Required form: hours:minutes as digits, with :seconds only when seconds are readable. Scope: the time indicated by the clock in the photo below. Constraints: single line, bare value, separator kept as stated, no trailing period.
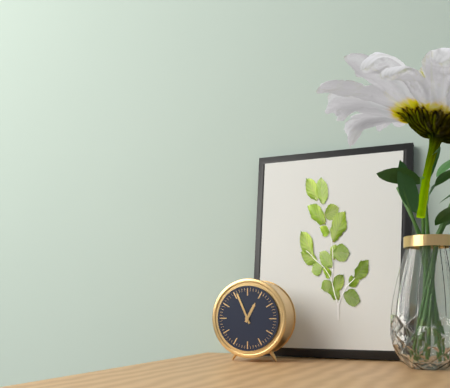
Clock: 12:56
